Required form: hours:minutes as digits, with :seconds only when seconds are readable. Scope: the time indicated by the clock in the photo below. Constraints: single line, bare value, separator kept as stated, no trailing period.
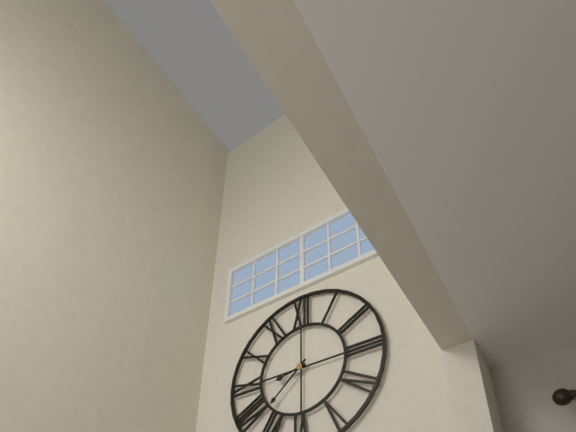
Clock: 8:38
